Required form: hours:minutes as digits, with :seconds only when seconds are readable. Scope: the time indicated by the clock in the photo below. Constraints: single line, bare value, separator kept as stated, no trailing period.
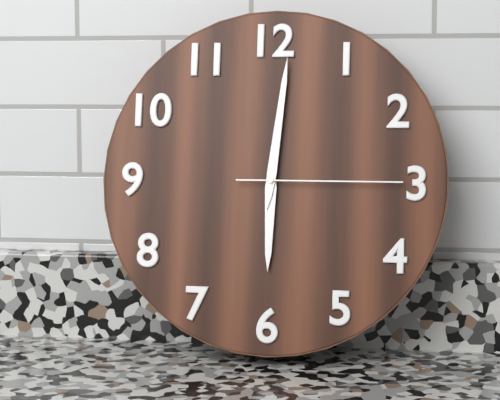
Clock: 6:01:15
